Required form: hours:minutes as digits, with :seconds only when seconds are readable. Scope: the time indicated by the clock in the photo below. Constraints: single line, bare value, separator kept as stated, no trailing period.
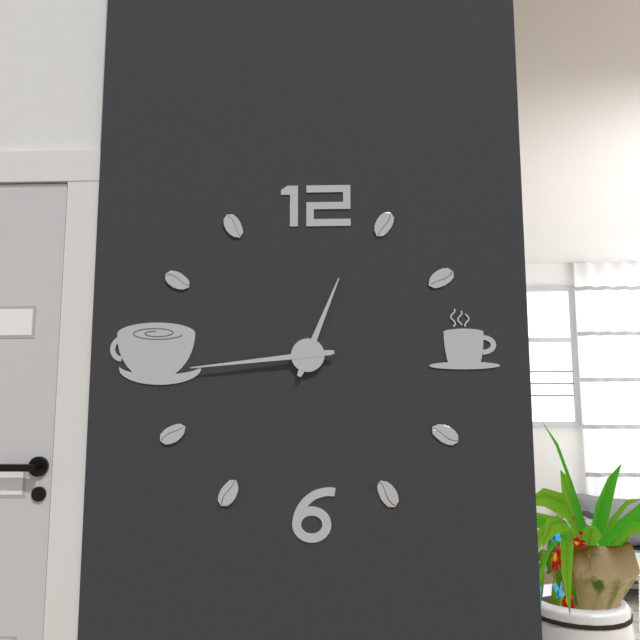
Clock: 12:44
